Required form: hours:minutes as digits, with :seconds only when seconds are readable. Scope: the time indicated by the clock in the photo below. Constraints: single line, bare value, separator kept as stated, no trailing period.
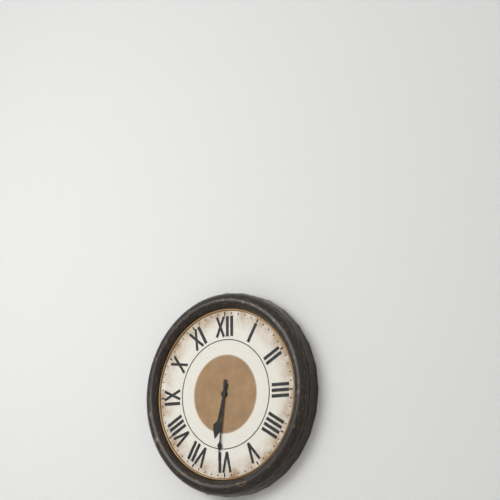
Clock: 6:31
